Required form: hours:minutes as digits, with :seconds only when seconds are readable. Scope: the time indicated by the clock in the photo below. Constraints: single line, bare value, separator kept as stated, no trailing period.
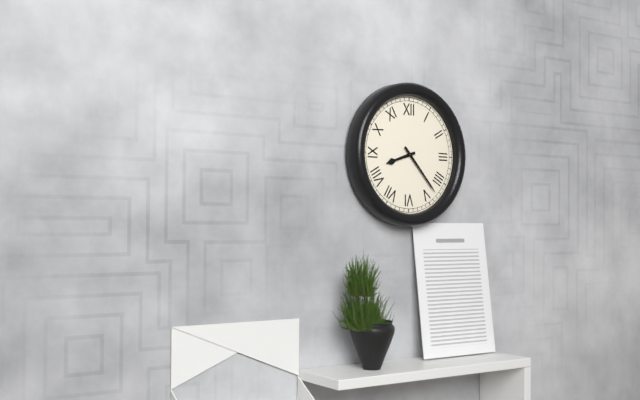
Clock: 8:23
